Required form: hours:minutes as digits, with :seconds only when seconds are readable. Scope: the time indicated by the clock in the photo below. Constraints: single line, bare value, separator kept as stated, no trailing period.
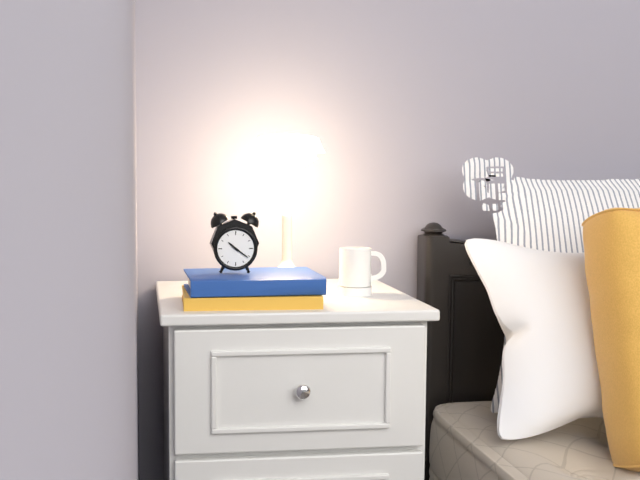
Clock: 10:21
